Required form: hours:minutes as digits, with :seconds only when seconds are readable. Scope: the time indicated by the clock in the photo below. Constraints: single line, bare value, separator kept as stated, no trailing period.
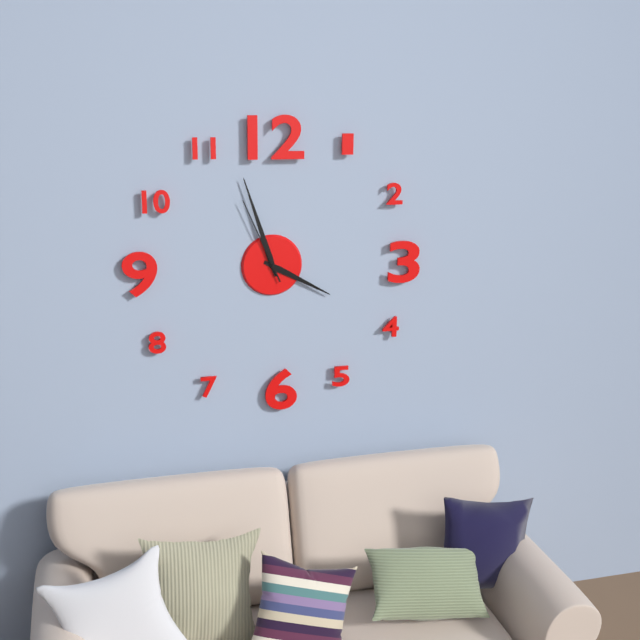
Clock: 3:57:56
